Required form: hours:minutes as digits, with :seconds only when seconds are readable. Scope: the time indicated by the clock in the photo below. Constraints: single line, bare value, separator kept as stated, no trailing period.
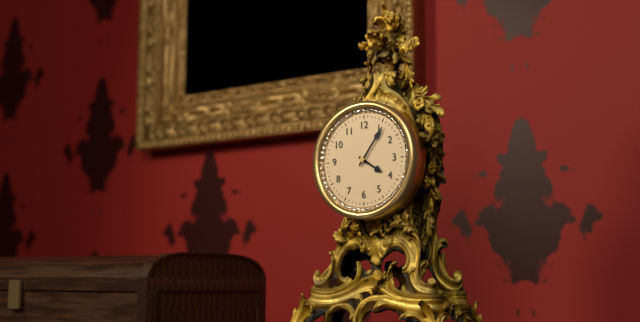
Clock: 4:06
